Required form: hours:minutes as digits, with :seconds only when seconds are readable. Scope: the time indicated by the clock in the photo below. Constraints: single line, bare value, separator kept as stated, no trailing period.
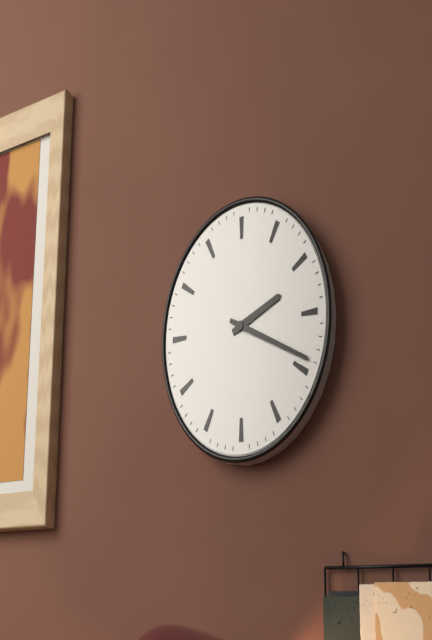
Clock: 2:19
